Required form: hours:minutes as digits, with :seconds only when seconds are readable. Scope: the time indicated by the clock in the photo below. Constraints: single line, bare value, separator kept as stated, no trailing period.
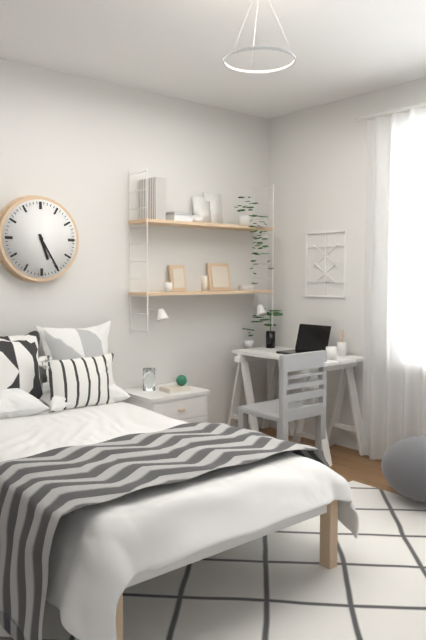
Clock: 5:25
